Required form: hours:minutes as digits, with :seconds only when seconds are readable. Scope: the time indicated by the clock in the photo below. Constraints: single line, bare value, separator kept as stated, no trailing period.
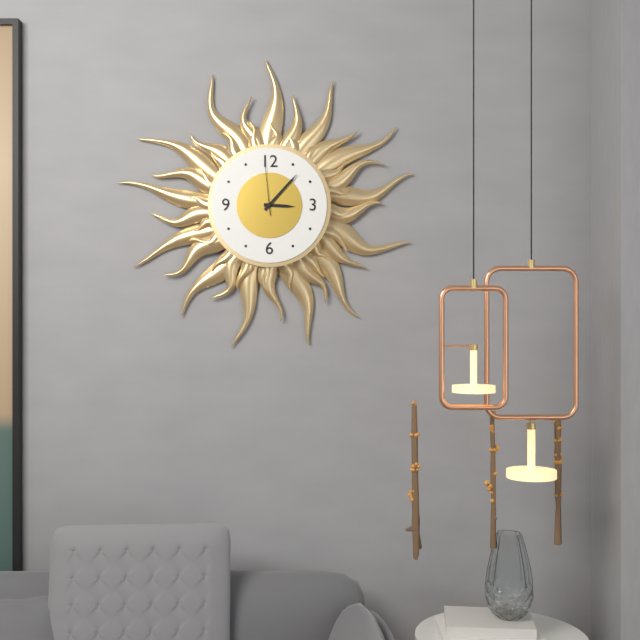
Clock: 3:07:59
